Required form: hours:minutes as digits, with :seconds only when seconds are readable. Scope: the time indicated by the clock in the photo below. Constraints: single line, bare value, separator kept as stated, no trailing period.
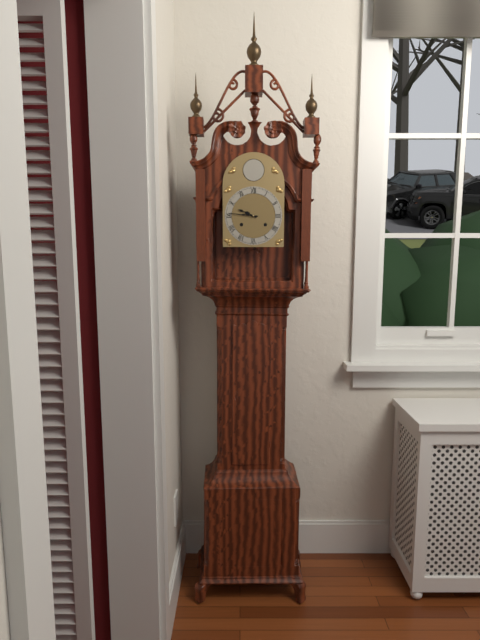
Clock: 9:46
